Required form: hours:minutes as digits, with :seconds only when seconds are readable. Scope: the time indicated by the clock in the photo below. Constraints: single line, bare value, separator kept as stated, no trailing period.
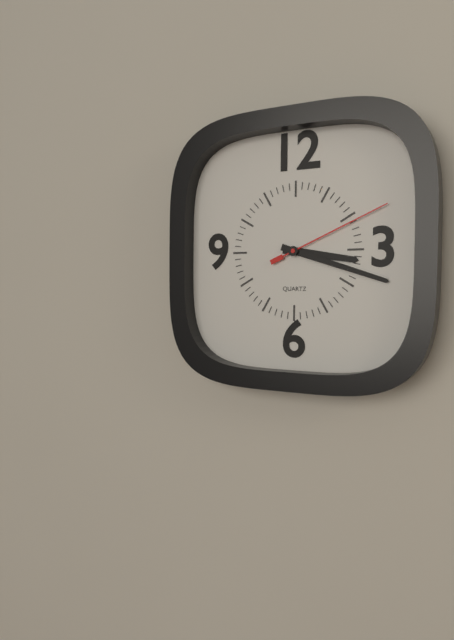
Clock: 3:18:11
